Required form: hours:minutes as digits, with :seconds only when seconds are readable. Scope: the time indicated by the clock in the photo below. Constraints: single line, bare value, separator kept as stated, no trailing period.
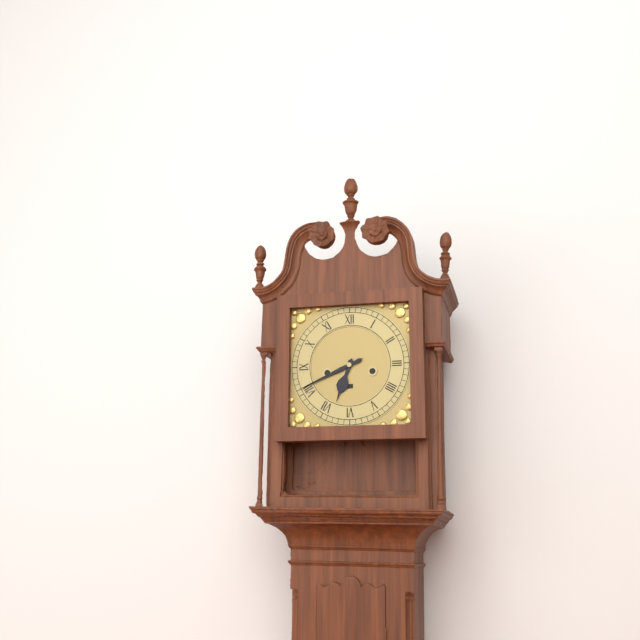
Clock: 6:41
